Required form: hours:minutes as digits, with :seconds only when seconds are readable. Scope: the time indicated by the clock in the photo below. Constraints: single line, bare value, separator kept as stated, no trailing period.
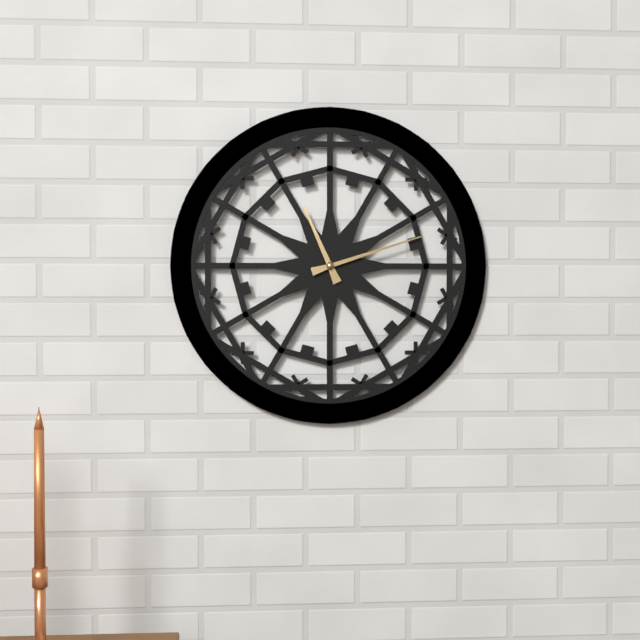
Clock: 11:12
